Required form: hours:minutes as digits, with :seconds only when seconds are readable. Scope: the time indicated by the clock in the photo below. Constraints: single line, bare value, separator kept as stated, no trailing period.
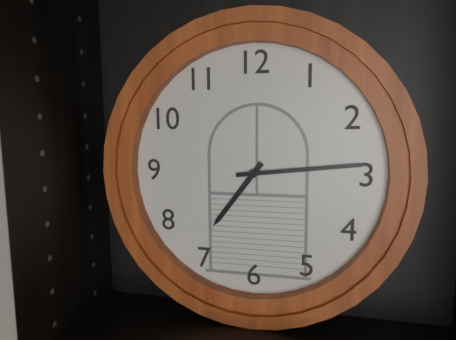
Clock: 7:14
